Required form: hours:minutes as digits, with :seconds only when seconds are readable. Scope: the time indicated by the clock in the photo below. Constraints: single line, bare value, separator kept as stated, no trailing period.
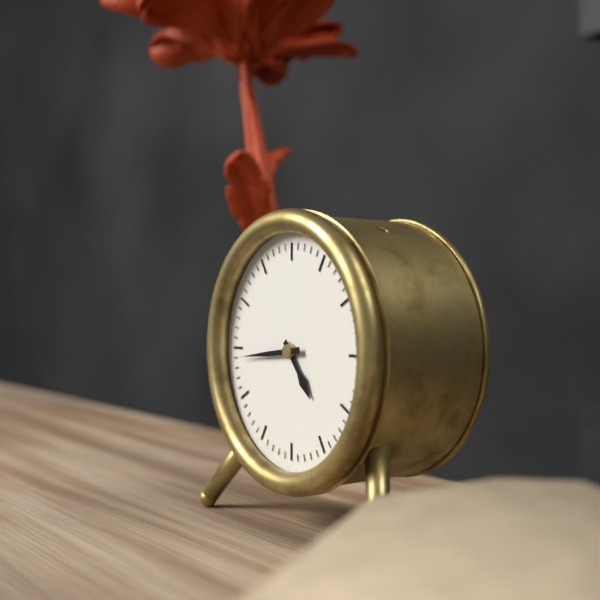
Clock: 4:44
